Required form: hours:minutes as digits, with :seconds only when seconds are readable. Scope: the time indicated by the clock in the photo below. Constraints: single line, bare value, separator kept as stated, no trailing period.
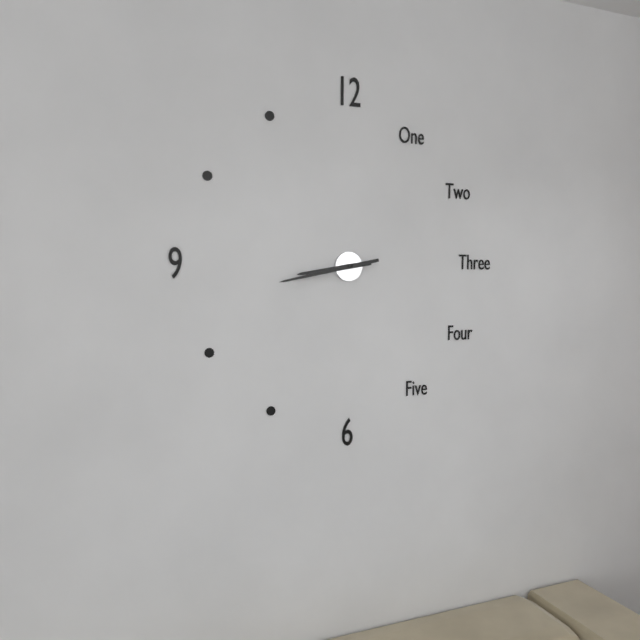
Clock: 8:43
